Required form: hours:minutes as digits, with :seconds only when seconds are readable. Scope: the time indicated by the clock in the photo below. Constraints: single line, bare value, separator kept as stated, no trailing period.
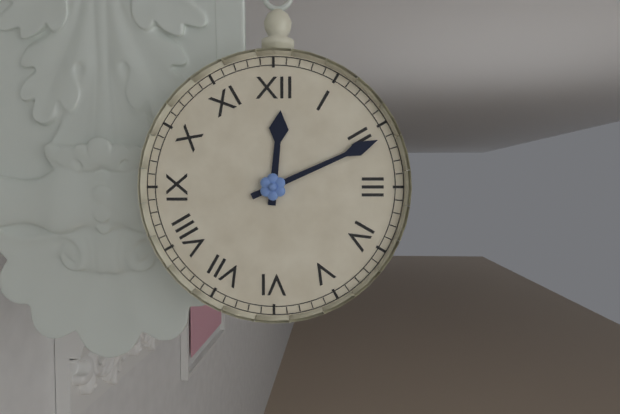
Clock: 12:11
